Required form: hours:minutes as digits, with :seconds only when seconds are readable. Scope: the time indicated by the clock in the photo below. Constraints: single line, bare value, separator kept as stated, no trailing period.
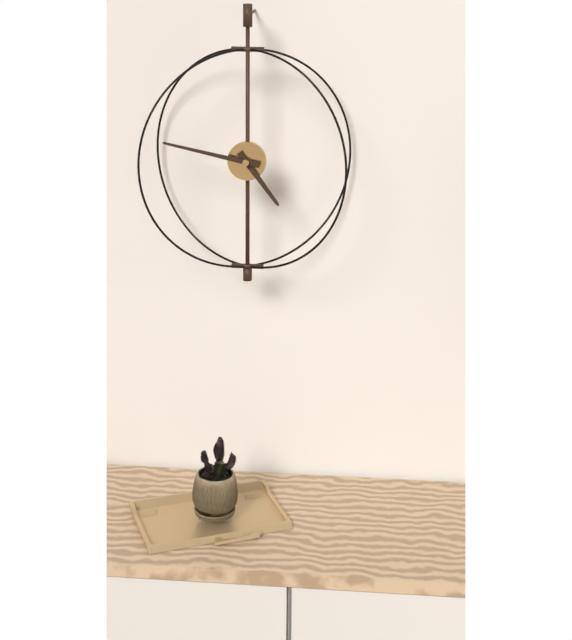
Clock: 4:47
